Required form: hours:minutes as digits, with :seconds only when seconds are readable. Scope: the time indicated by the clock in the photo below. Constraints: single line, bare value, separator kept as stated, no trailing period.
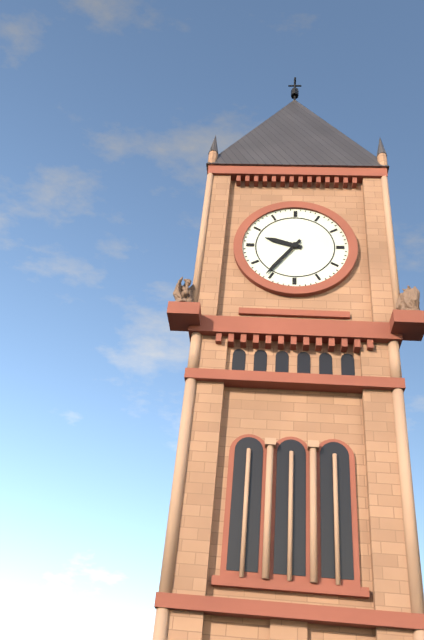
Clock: 9:36
